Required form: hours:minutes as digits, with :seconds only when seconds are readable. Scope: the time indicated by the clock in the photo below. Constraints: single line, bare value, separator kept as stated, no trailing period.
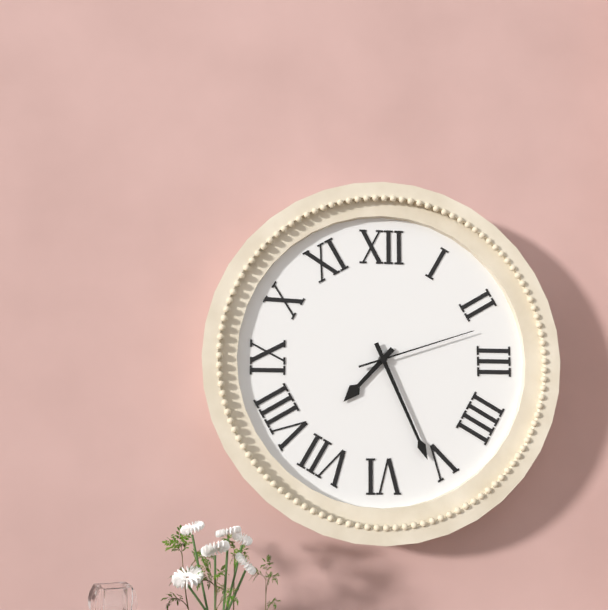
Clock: 7:26:12
